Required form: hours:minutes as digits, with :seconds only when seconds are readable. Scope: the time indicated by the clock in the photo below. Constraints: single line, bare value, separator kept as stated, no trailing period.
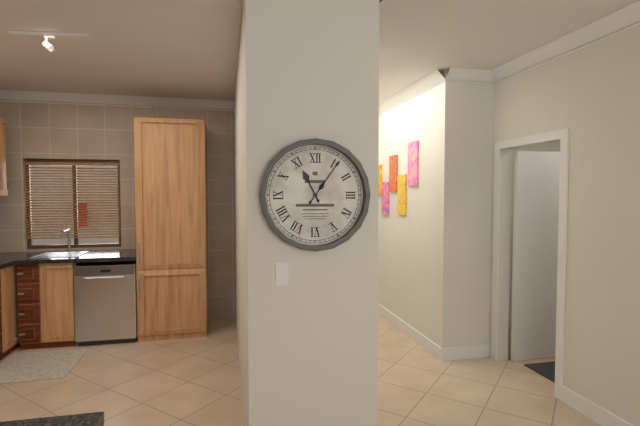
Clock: 11:06
